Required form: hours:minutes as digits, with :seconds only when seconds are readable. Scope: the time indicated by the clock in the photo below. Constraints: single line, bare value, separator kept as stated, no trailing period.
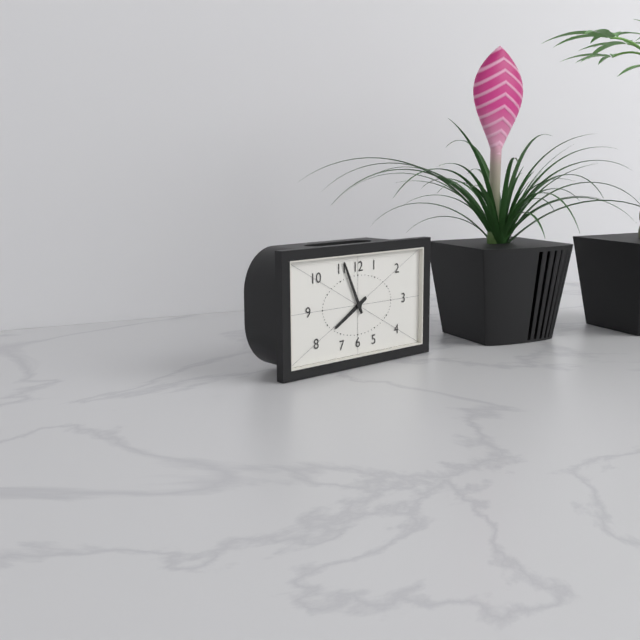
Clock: 7:56
